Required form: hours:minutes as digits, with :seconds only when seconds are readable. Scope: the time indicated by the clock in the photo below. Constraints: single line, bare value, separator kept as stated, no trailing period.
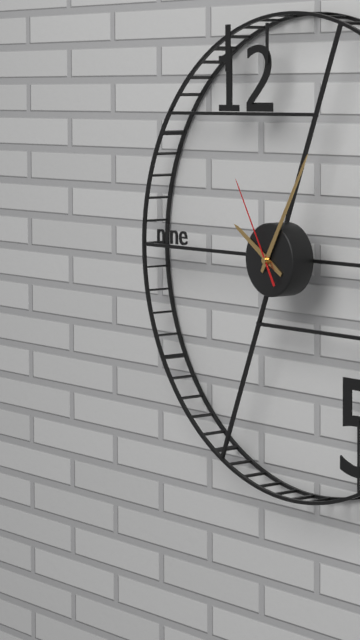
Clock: 10:05:55
